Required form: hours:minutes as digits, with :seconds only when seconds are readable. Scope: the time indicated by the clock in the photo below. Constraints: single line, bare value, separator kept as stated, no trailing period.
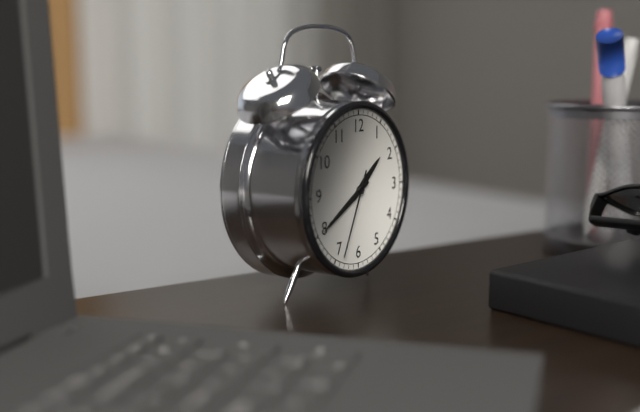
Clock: 1:40:34
